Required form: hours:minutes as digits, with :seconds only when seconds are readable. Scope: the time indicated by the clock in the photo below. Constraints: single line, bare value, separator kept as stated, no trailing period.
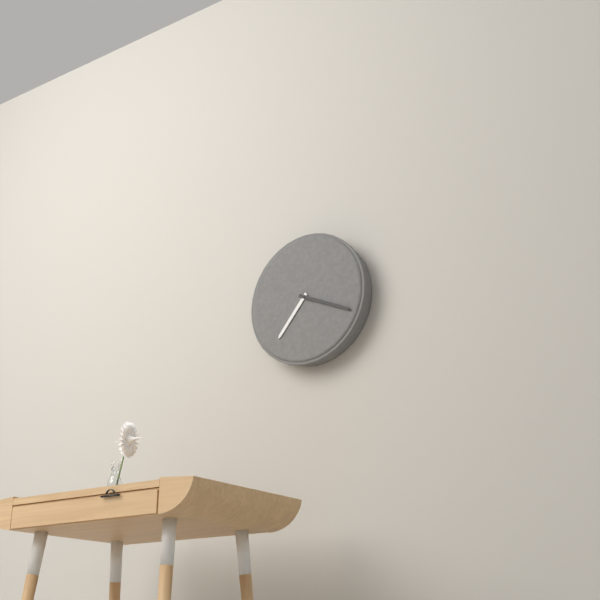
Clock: 7:19
